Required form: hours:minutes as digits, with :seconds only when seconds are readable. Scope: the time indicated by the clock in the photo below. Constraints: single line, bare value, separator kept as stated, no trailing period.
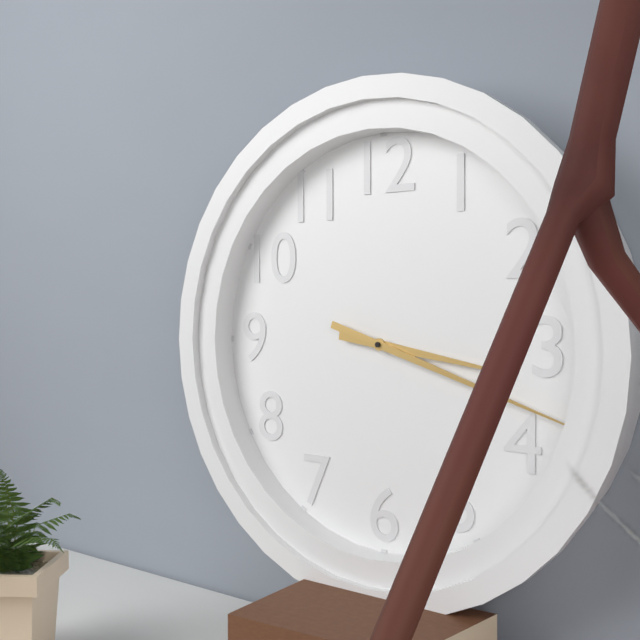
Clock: 3:18
